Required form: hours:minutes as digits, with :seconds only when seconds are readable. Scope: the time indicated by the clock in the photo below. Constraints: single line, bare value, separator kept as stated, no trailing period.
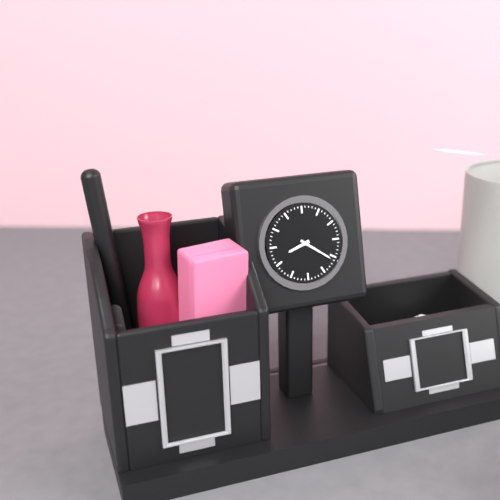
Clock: 8:21
